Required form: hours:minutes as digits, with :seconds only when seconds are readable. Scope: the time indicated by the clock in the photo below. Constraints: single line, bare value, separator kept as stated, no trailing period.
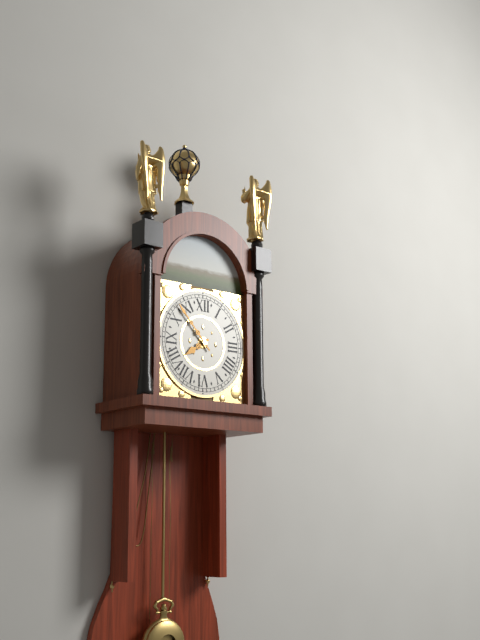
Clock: 7:53
